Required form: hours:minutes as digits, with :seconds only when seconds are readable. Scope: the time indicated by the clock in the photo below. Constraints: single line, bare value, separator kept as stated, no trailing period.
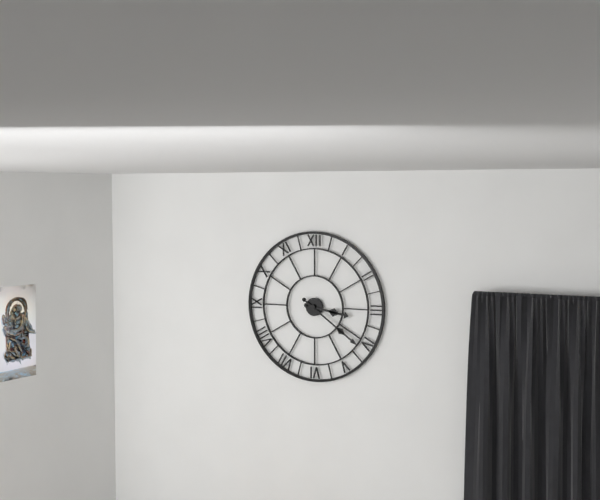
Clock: 3:21
